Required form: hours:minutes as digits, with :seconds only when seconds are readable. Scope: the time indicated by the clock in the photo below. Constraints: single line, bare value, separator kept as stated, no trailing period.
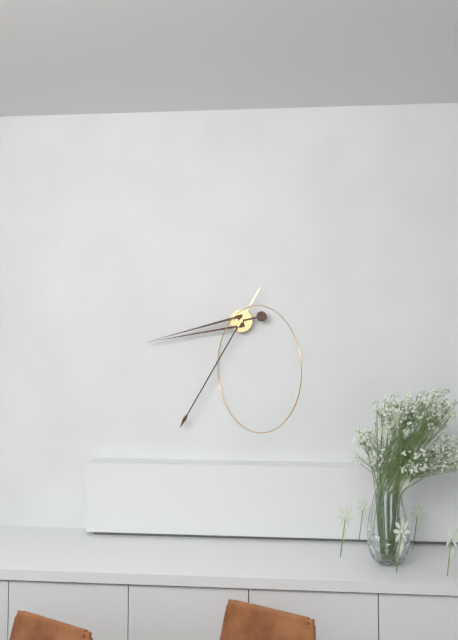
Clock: 8:35
